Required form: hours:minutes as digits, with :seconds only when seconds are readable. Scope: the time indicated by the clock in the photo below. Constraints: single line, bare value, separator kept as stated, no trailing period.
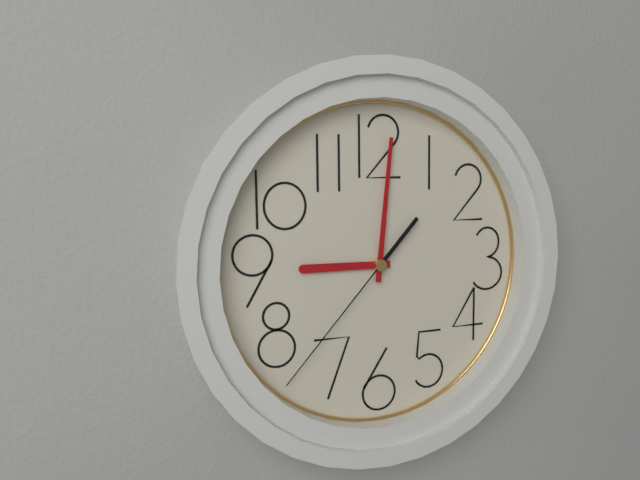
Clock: 9:01:37
